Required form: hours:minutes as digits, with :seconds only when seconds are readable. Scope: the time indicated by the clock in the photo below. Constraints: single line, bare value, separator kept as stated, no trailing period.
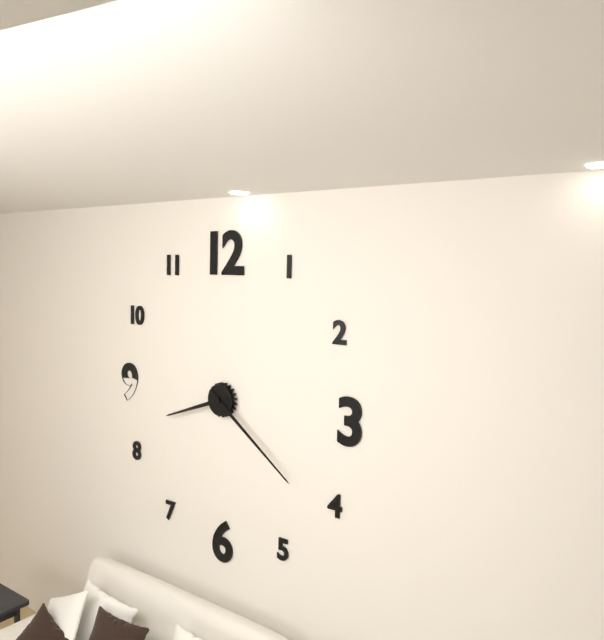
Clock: 8:21
